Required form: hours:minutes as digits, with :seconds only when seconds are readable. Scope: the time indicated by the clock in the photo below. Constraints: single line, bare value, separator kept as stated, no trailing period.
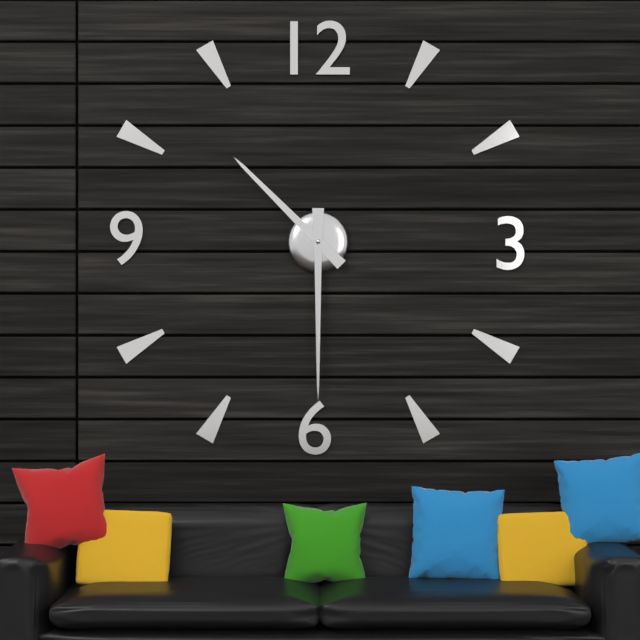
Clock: 10:30
